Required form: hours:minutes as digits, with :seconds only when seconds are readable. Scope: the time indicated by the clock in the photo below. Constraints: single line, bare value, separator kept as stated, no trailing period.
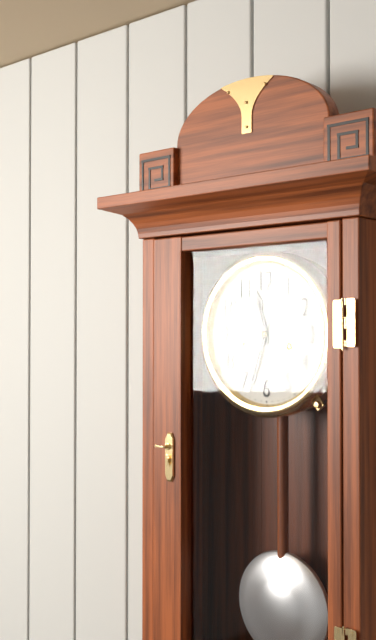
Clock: 11:33
